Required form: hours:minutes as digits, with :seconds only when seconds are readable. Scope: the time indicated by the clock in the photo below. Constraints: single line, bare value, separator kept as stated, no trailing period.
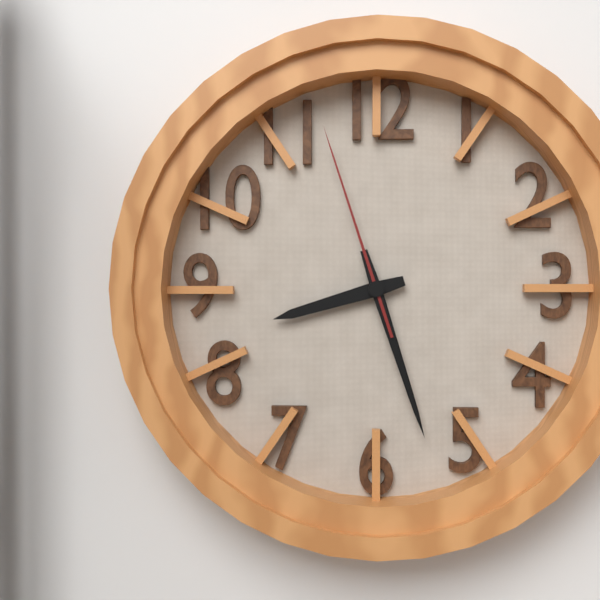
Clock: 8:27:57
